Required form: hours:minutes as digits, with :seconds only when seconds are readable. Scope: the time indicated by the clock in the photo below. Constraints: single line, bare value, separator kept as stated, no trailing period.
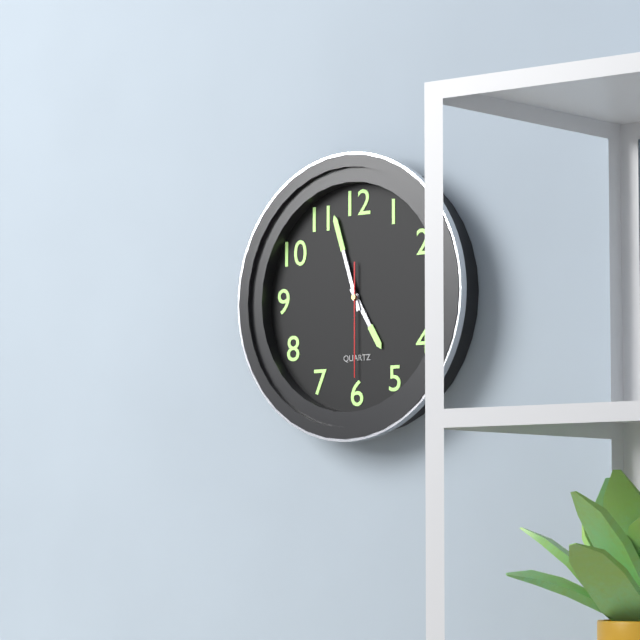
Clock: 4:57:30
